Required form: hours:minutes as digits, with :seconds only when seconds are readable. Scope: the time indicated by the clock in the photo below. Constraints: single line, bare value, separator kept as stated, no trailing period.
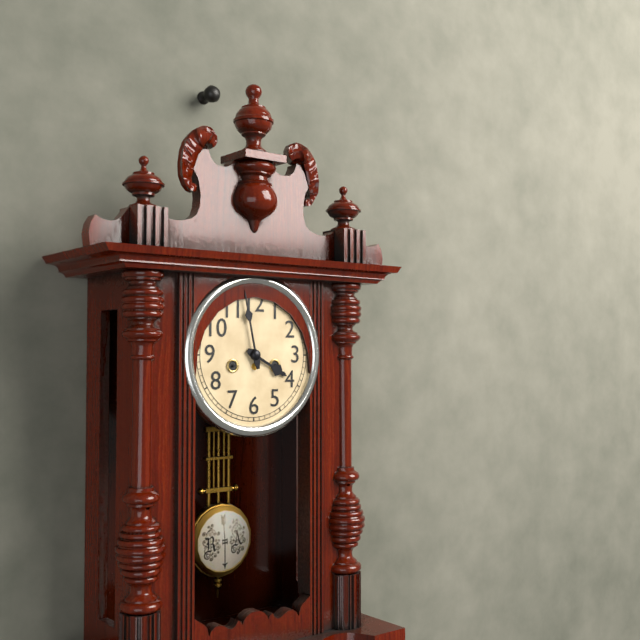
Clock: 3:58
